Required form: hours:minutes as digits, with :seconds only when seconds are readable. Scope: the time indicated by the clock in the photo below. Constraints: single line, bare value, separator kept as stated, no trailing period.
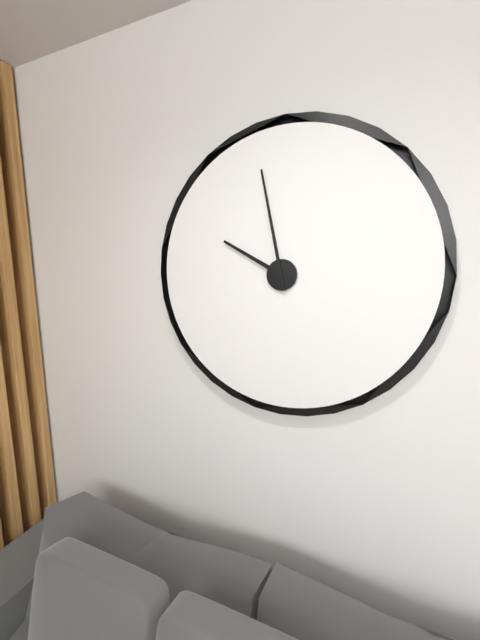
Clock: 9:58
